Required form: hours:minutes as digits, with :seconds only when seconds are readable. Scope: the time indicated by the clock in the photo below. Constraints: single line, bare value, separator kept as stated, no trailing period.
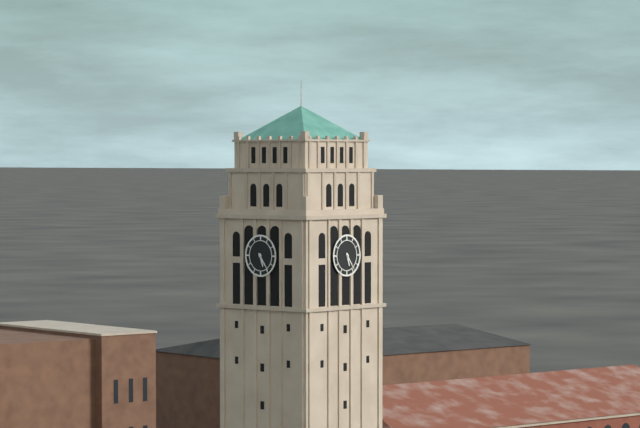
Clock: 5:24
